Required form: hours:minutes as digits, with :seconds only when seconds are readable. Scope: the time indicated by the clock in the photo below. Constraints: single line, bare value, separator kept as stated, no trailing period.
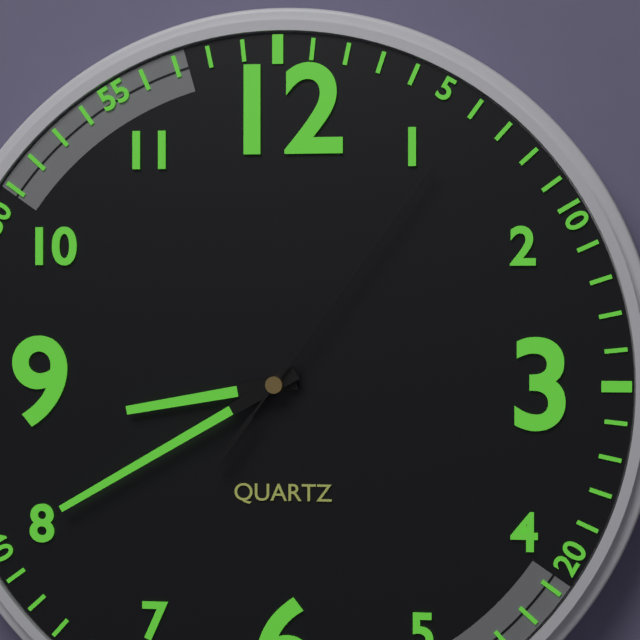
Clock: 8:40:06
